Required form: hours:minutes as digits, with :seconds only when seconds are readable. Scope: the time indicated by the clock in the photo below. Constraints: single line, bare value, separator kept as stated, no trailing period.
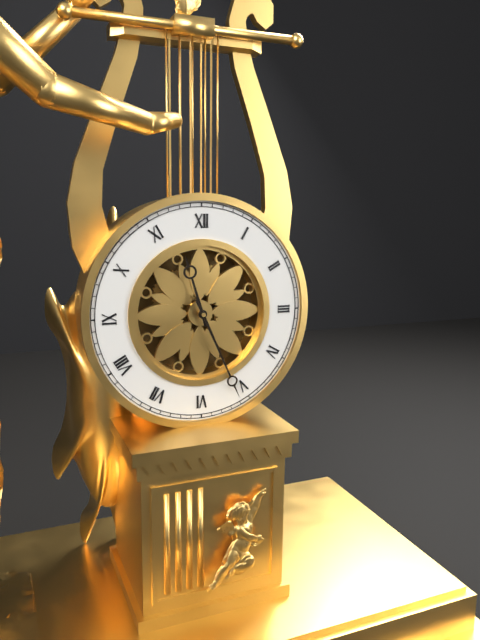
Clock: 11:26
